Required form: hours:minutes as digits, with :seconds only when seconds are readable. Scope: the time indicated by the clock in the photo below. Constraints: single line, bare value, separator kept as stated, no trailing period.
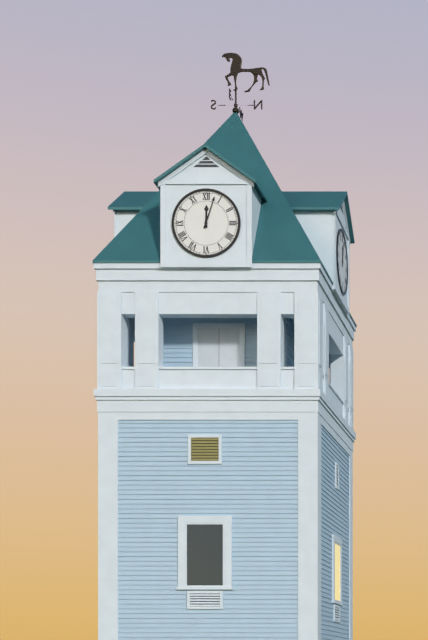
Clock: 12:03
